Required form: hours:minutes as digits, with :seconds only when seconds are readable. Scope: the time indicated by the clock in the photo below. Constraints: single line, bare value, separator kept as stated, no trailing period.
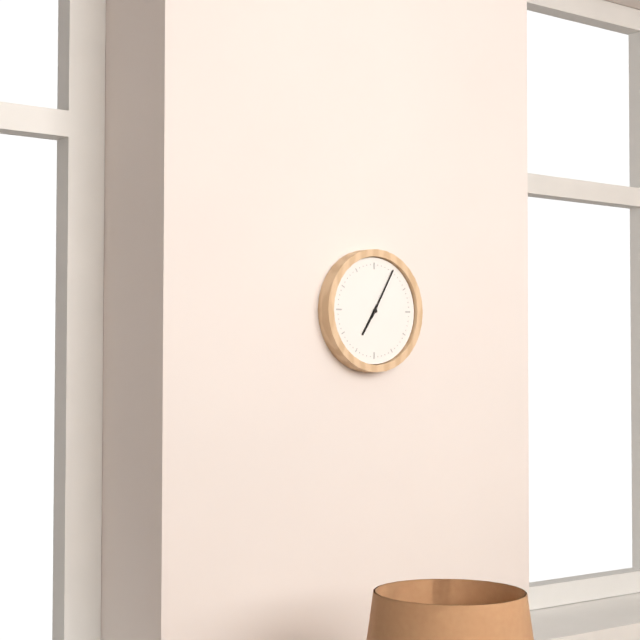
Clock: 7:05
